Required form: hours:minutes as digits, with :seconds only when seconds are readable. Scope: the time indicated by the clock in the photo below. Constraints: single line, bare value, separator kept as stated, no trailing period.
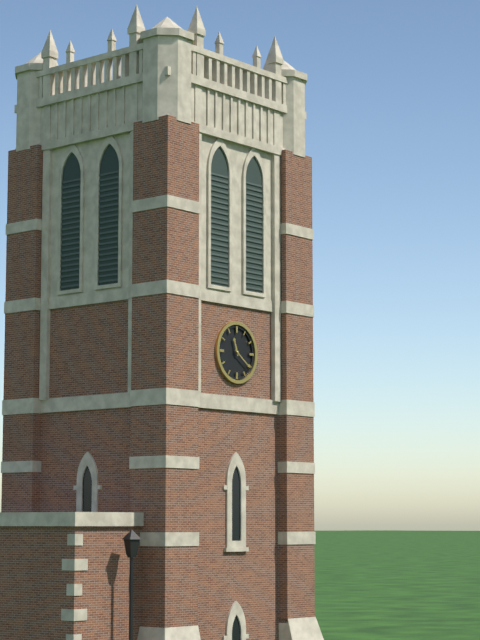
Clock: 11:21
